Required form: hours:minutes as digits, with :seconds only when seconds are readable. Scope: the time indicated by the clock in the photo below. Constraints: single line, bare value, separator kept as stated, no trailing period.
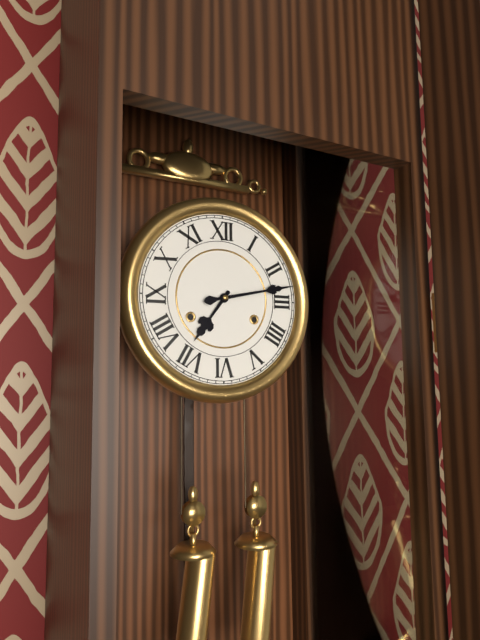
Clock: 7:13
